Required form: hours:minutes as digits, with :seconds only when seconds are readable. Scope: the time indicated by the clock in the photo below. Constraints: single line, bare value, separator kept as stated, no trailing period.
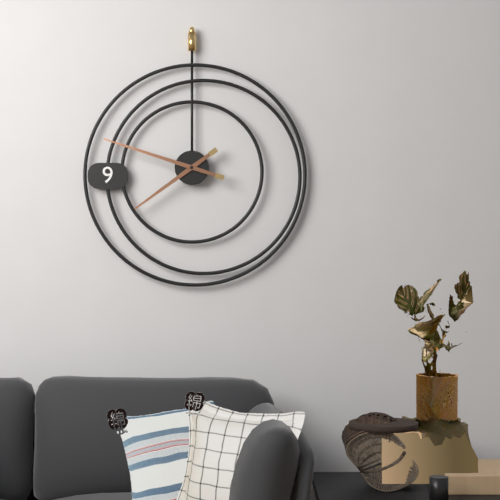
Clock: 7:48
